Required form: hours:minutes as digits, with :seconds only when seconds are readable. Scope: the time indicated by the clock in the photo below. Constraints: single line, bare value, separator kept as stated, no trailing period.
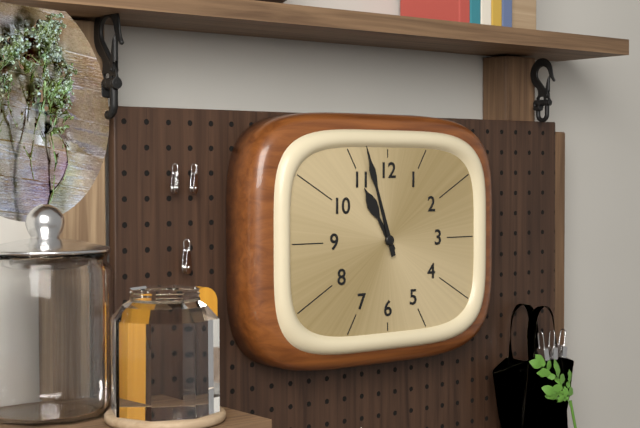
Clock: 10:57
